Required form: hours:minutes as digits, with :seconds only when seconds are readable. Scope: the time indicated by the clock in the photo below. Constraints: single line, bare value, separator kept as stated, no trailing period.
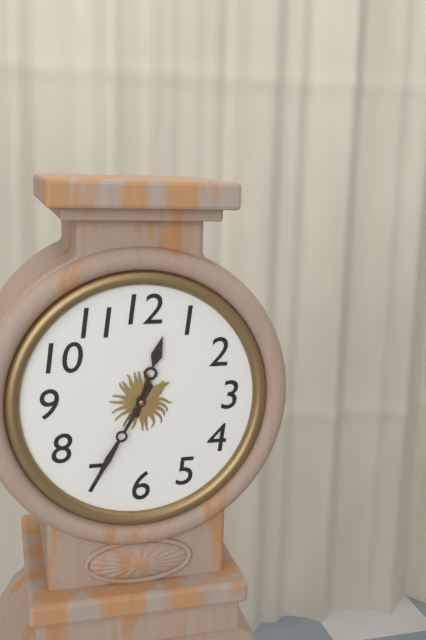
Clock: 12:35
